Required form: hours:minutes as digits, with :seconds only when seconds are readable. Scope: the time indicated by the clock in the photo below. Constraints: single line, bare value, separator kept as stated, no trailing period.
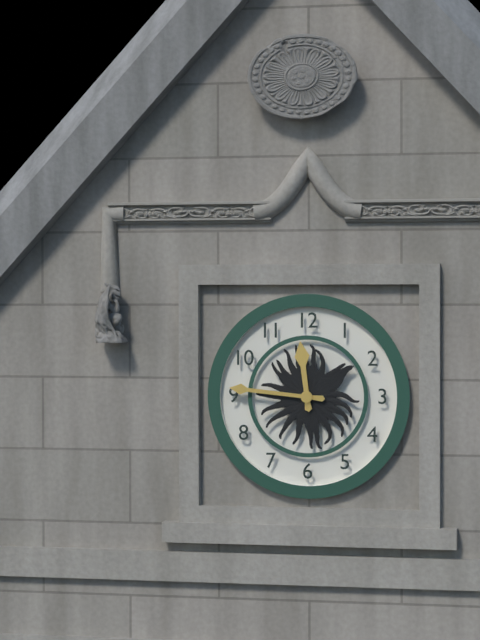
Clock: 11:46
